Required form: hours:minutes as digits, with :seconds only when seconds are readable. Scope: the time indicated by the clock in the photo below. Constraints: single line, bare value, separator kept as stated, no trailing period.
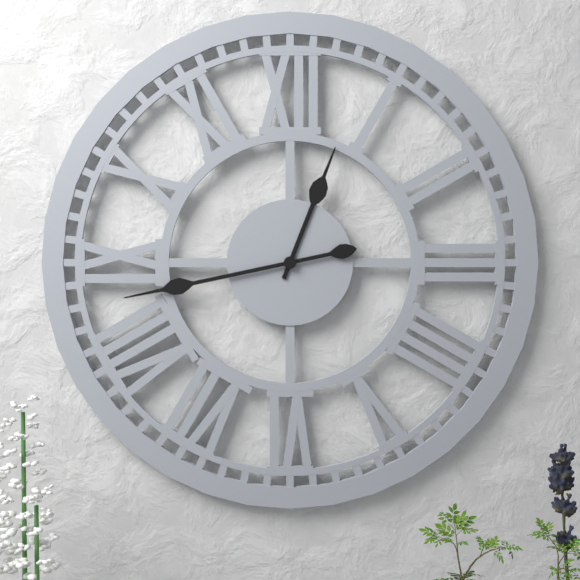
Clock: 12:43
